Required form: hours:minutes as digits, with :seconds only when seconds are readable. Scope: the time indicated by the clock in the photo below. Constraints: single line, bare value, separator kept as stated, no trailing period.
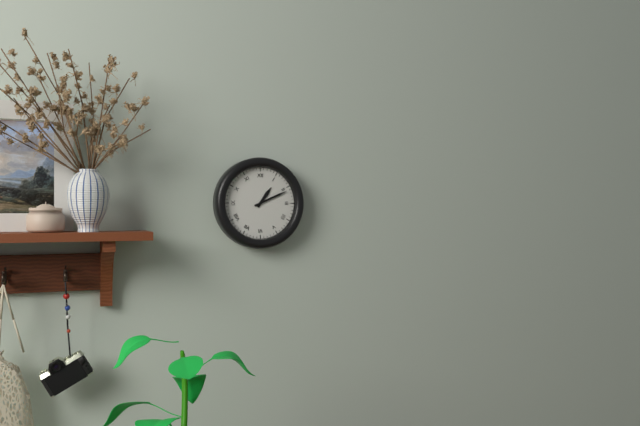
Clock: 1:11
